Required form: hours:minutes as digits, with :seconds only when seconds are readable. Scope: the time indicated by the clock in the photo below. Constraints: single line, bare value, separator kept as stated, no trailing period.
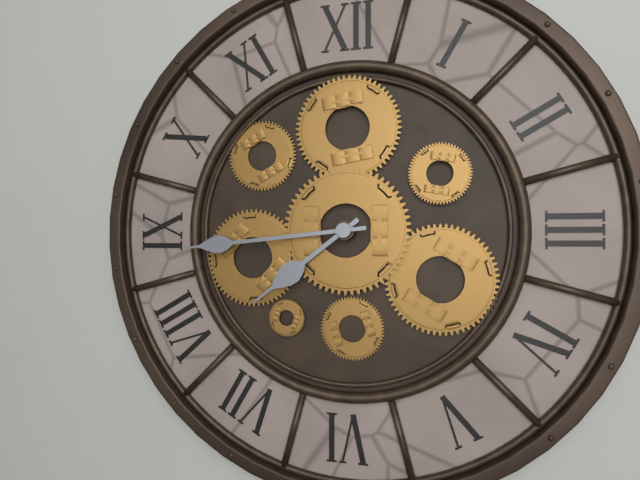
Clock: 7:44
